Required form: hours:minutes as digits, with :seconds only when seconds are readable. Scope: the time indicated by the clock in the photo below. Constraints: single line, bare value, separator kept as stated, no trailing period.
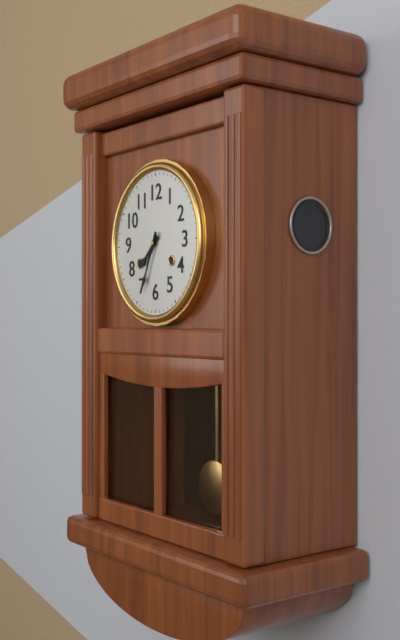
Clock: 7:34
